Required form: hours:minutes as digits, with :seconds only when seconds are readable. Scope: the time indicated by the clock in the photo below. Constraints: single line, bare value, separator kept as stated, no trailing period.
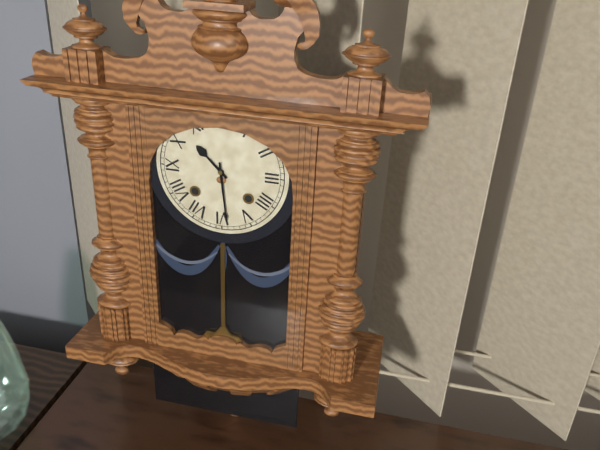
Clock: 10:29
